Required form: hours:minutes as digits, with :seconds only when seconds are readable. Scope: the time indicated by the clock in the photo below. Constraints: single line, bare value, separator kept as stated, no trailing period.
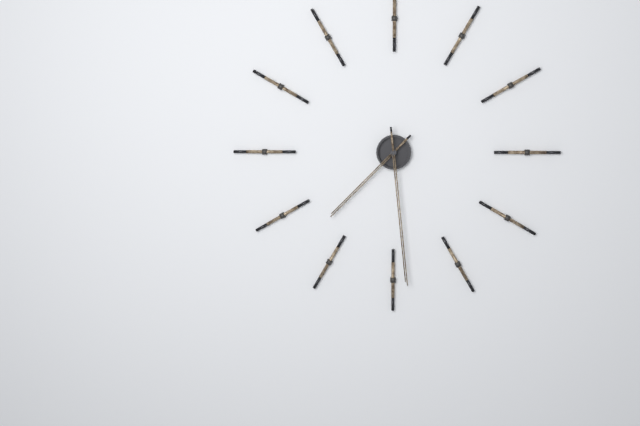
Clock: 7:29
